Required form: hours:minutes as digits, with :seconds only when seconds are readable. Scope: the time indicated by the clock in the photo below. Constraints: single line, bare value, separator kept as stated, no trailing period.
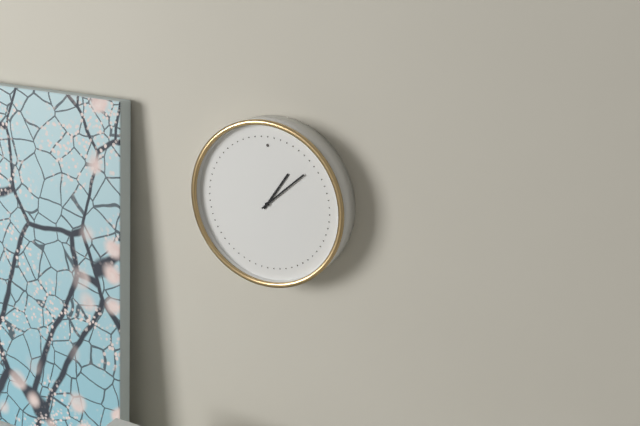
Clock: 1:08
